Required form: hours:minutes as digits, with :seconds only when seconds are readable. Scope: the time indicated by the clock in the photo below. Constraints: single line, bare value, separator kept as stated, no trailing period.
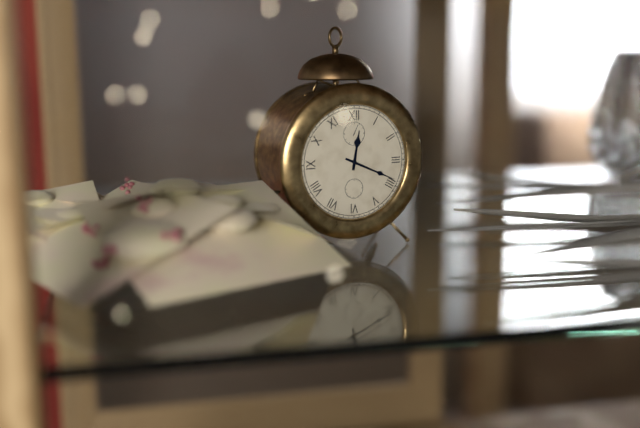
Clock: 12:19
